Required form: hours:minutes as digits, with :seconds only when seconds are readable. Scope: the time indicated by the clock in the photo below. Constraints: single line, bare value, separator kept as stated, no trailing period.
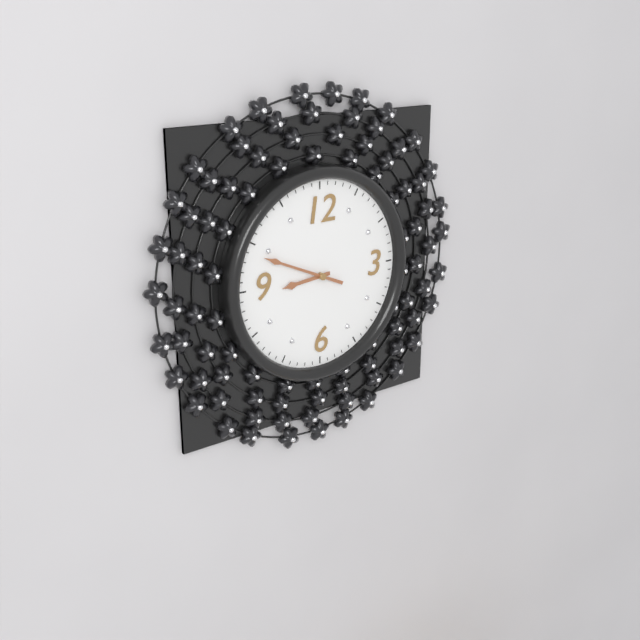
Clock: 8:49
